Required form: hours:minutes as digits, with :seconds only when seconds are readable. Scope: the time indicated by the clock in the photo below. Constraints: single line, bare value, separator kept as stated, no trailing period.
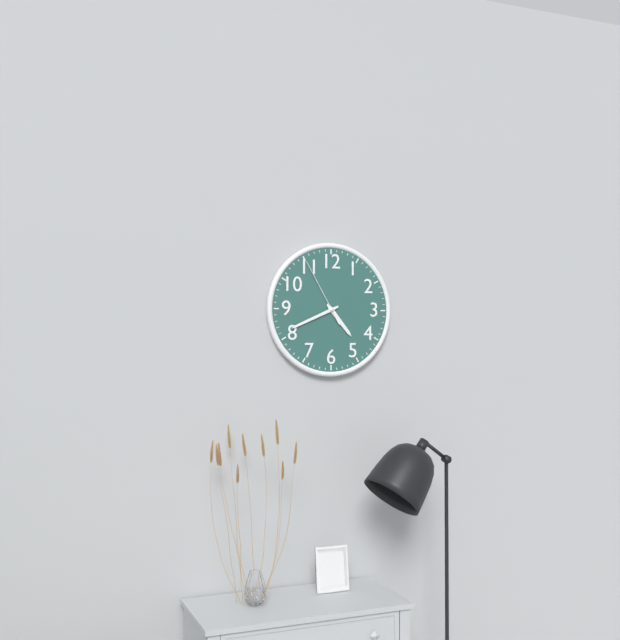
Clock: 4:41:55
